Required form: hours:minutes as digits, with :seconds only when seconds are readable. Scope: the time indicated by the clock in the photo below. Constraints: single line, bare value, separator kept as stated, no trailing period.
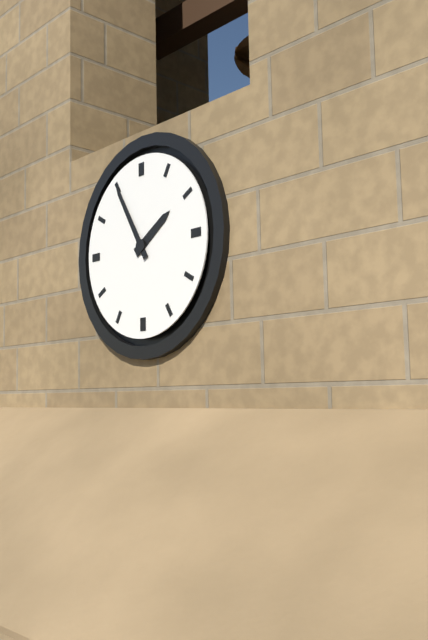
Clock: 1:55
